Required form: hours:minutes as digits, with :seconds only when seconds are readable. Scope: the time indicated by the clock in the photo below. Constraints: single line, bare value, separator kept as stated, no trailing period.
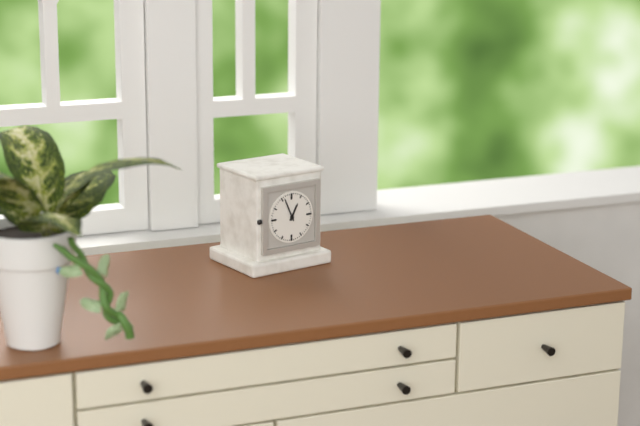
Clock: 12:56
